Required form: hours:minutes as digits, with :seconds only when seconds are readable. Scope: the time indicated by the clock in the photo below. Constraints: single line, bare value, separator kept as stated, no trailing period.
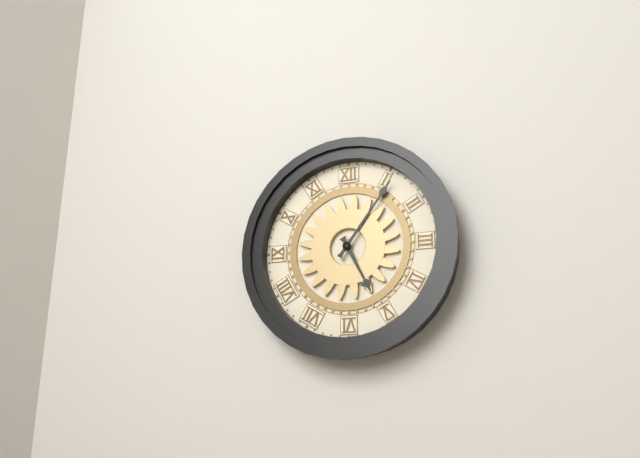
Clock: 5:06
